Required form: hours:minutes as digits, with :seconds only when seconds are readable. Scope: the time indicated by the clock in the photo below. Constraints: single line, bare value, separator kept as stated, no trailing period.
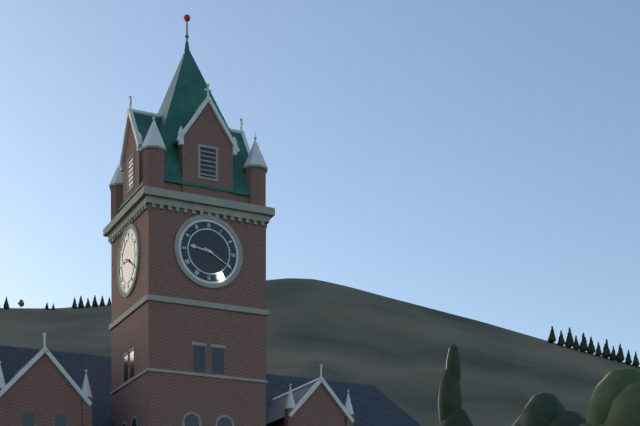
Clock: 9:20
